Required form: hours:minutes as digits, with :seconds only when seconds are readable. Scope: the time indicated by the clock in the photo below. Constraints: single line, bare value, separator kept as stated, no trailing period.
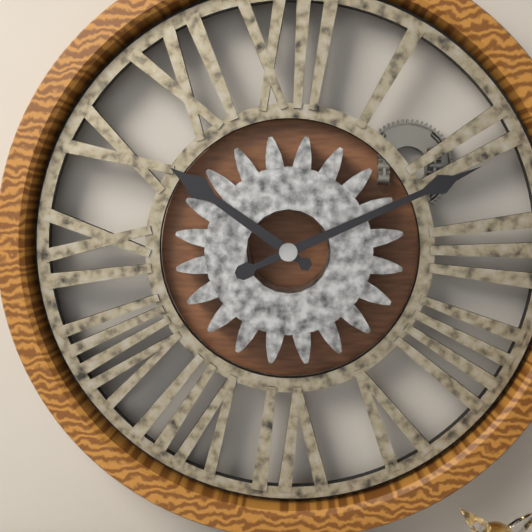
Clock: 10:11
